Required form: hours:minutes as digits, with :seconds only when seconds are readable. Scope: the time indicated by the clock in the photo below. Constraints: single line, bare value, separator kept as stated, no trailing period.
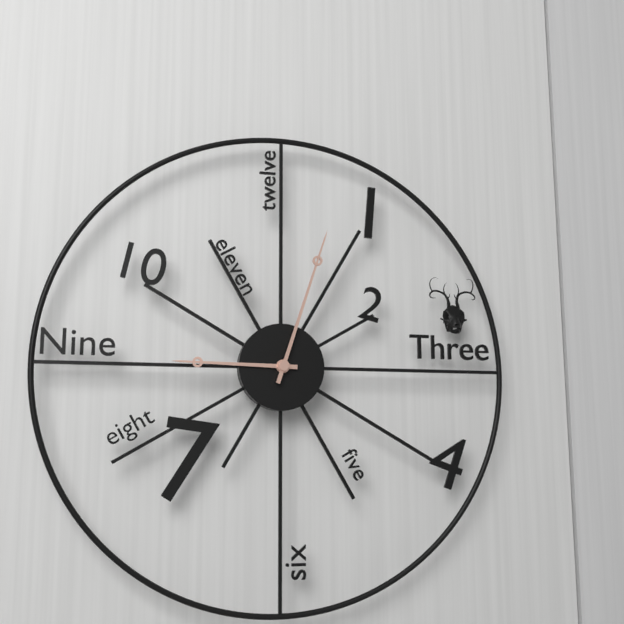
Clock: 9:03
